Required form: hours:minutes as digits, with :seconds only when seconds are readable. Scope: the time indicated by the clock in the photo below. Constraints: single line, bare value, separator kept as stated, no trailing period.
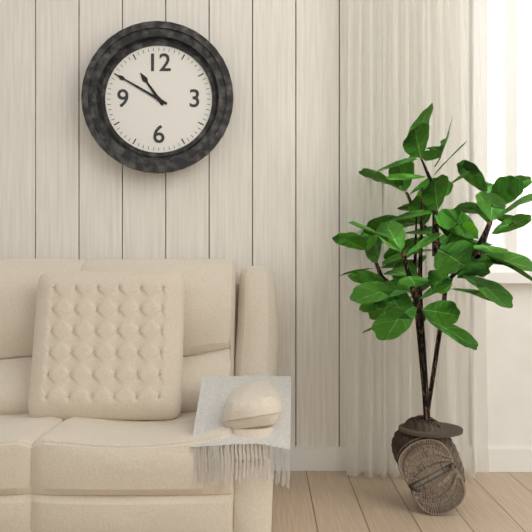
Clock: 10:50
